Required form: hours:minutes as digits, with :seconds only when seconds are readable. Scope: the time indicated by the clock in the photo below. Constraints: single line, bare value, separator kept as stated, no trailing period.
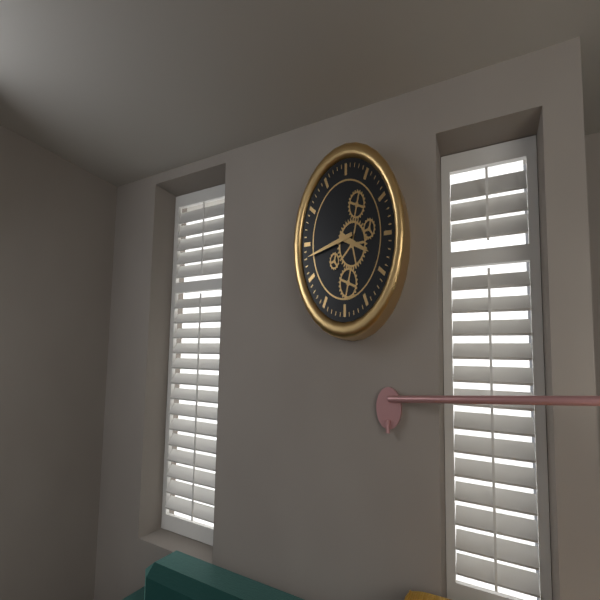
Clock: 3:43
